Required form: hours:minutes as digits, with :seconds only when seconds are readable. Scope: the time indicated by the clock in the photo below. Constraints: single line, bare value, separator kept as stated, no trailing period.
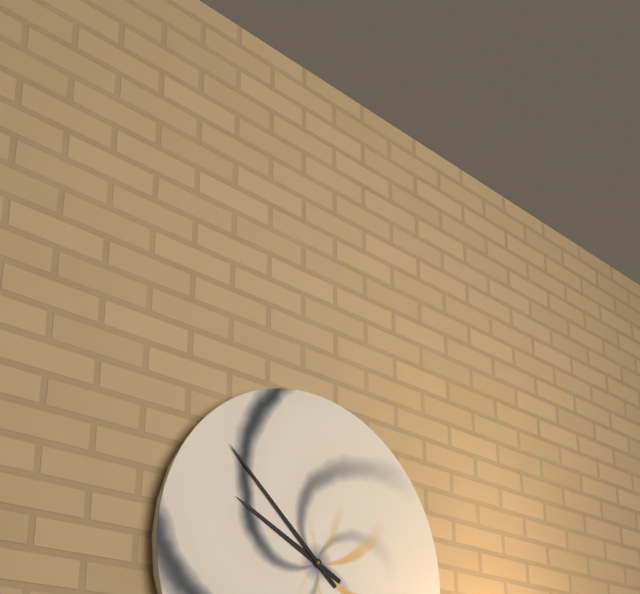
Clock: 9:52
